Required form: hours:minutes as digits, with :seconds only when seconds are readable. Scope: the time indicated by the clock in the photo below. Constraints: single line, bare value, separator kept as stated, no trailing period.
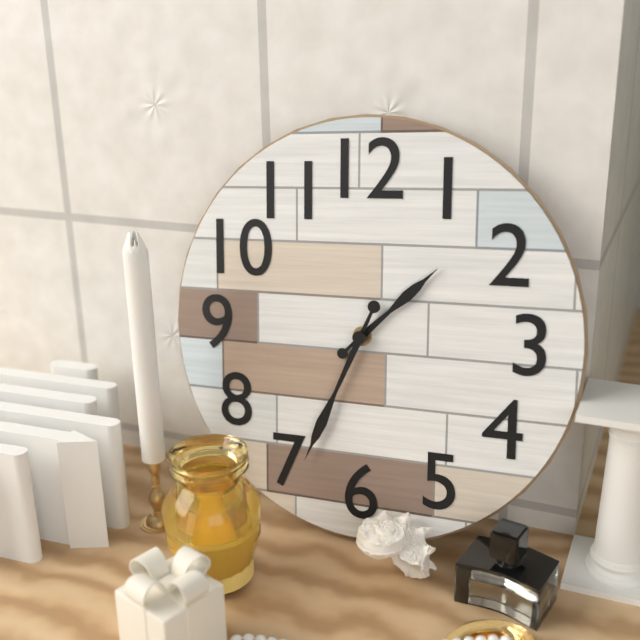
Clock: 1:34
